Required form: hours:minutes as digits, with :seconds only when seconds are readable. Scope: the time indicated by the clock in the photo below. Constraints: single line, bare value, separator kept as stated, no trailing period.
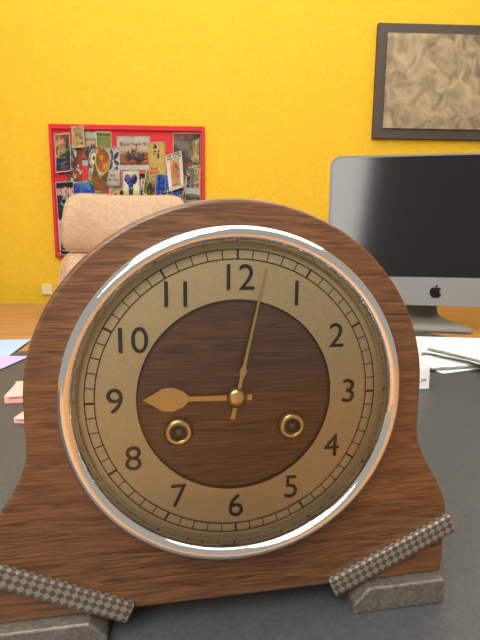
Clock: 9:02
